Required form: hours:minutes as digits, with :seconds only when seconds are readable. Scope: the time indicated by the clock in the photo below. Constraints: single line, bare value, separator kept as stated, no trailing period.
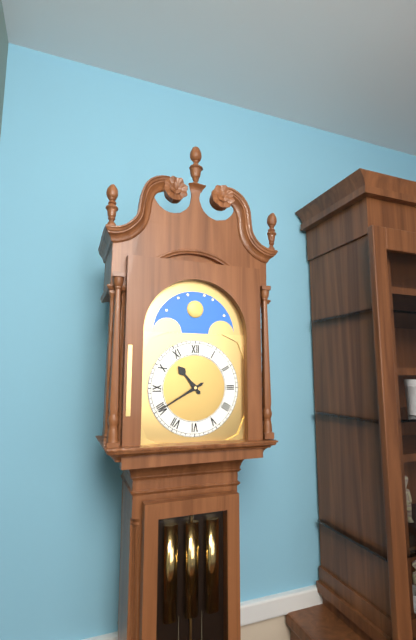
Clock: 10:40
